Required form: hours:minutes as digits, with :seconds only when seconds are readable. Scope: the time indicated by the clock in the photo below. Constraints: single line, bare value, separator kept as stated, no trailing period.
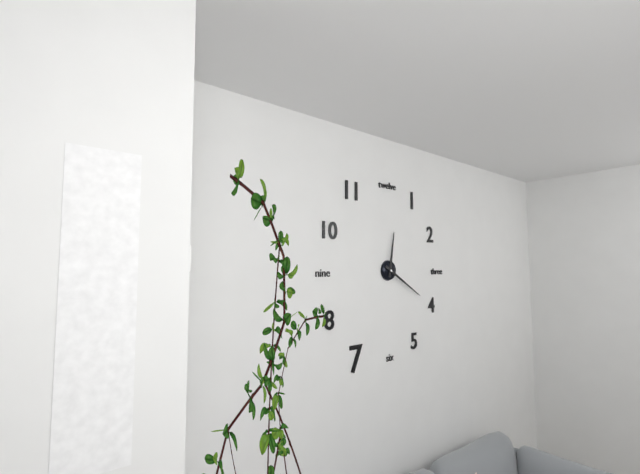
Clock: 12:20
